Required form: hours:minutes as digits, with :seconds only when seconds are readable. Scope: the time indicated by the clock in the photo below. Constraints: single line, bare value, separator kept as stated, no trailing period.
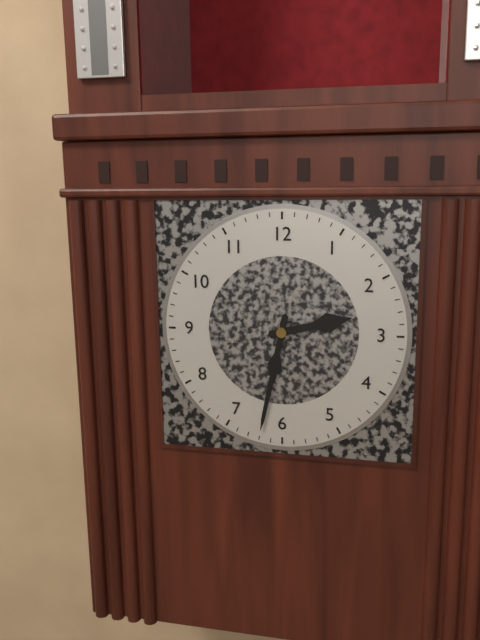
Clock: 2:32
